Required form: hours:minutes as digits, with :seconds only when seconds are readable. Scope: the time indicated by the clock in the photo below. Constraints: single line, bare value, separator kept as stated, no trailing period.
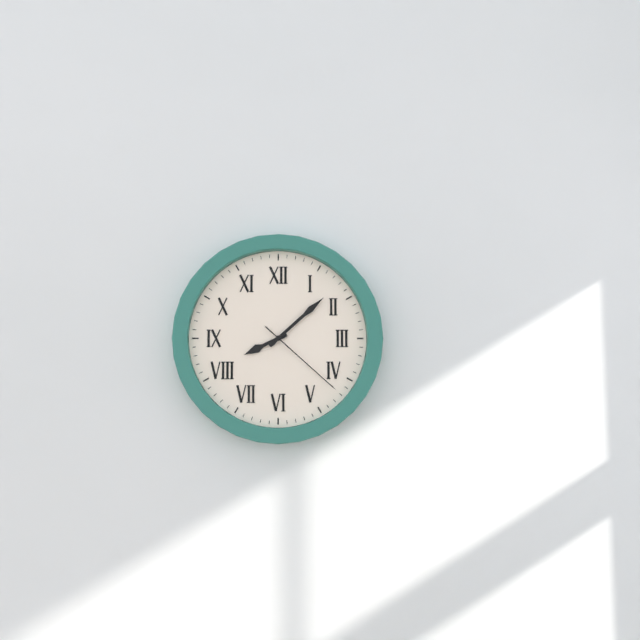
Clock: 8:08:22
